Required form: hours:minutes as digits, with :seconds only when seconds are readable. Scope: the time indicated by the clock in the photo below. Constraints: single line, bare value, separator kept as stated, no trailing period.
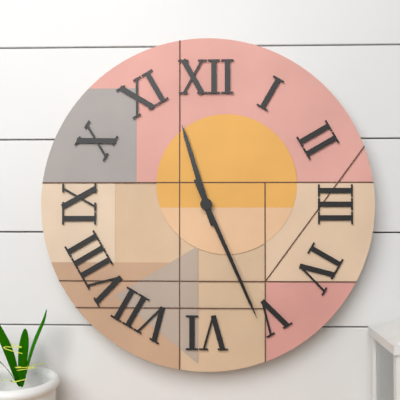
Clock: 11:26
